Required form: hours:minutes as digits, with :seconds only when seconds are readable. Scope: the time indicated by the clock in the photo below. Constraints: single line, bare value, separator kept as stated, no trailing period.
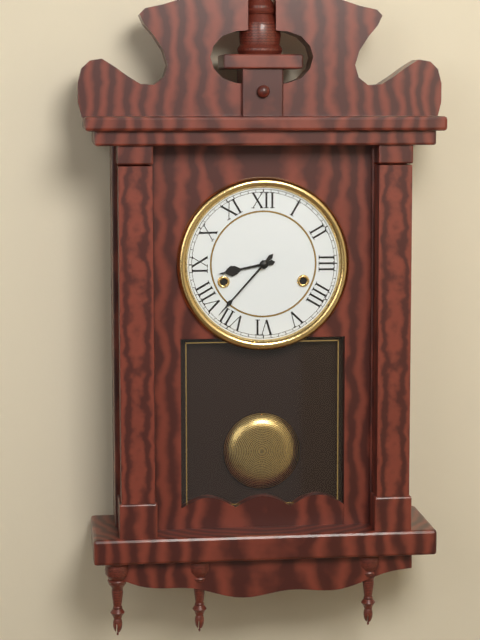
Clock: 8:37
